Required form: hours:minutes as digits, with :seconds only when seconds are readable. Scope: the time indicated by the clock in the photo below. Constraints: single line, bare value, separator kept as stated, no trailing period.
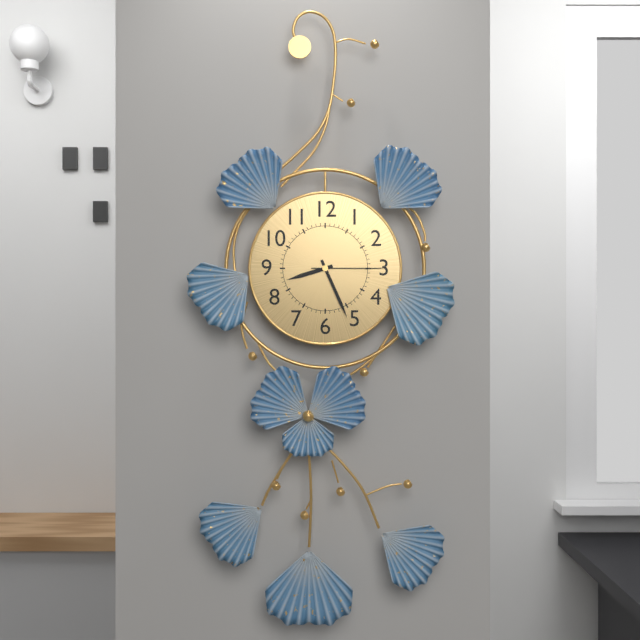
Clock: 8:26:15
